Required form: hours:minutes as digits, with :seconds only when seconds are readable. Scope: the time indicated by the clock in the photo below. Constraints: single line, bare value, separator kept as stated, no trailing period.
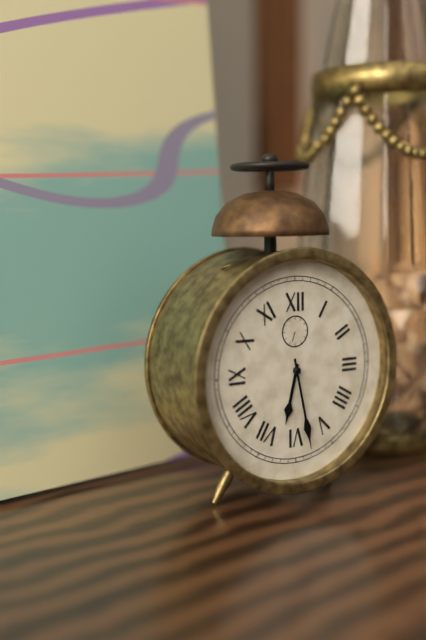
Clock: 6:28
